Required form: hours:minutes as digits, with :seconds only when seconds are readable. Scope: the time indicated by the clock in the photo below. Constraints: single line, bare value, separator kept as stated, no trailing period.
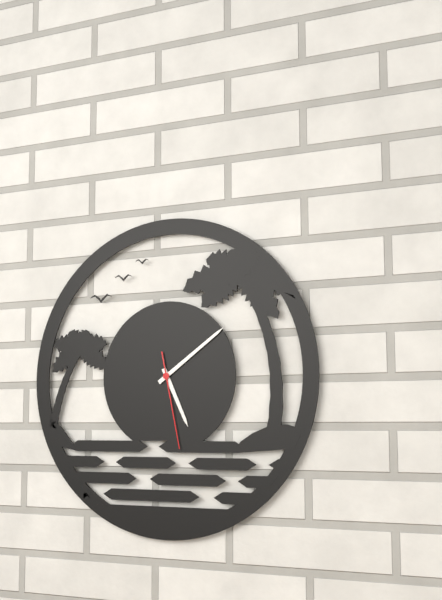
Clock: 5:09:28
